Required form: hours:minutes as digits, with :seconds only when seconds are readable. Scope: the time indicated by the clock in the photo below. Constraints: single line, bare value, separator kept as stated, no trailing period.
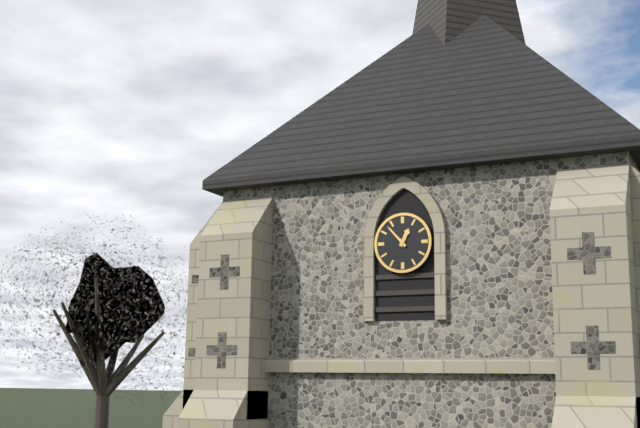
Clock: 12:53
